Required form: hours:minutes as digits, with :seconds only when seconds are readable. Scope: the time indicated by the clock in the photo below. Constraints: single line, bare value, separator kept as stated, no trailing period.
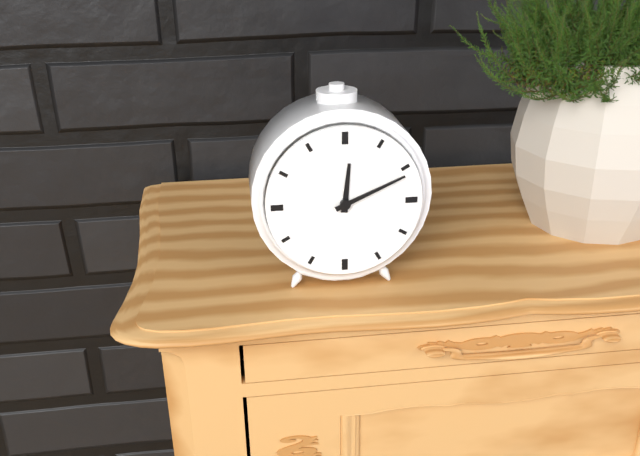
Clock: 12:11
